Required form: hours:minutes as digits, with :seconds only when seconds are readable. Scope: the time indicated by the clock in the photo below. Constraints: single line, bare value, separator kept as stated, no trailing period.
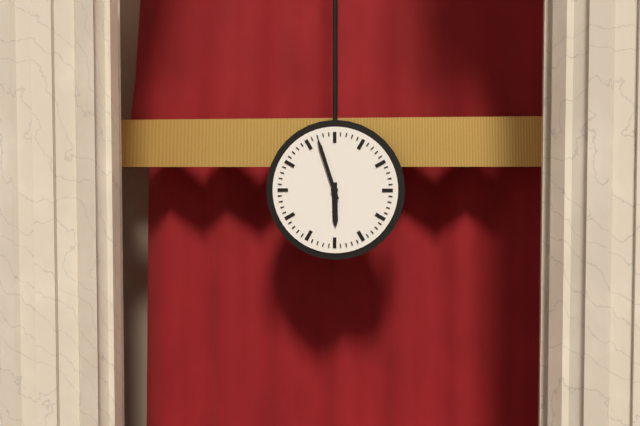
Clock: 5:57
